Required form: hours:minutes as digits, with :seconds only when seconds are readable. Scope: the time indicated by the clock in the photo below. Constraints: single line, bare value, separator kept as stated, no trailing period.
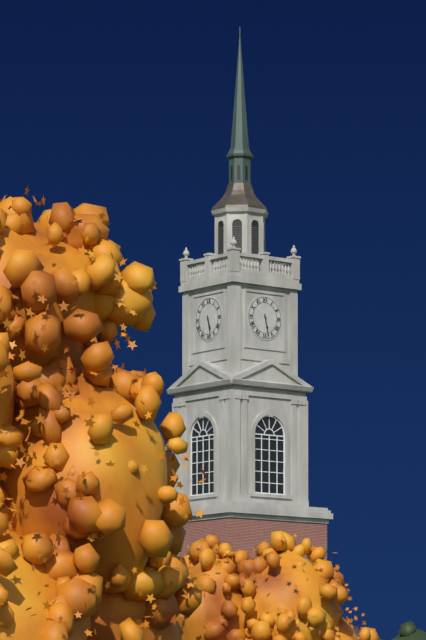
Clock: 5:28
